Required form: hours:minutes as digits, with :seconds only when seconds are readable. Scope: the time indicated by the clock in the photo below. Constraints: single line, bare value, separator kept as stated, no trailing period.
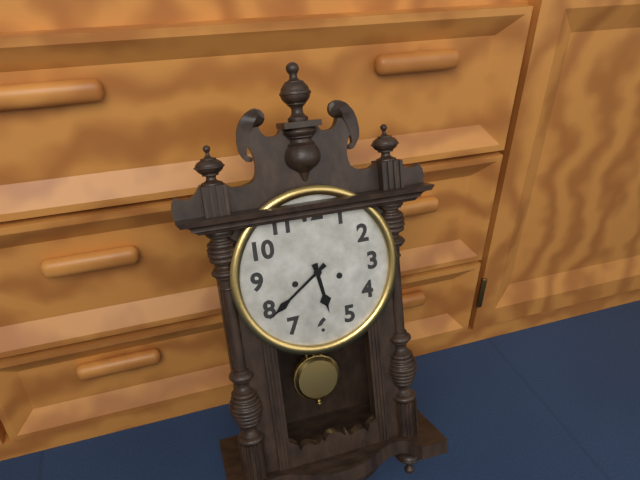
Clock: 5:39
